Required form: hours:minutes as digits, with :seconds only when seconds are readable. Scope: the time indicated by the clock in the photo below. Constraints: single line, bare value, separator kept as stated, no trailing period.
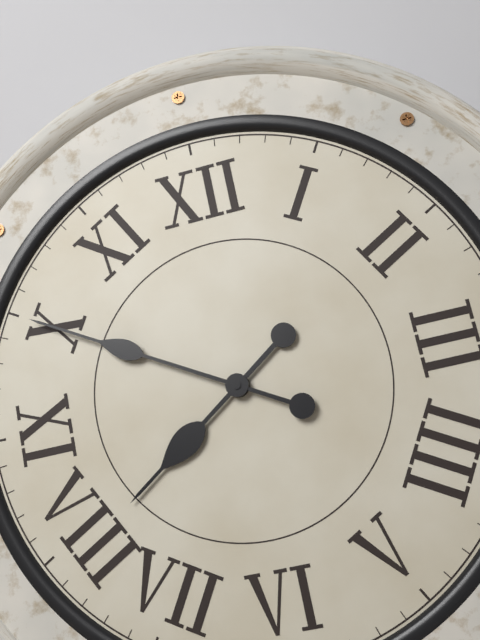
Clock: 7:50
